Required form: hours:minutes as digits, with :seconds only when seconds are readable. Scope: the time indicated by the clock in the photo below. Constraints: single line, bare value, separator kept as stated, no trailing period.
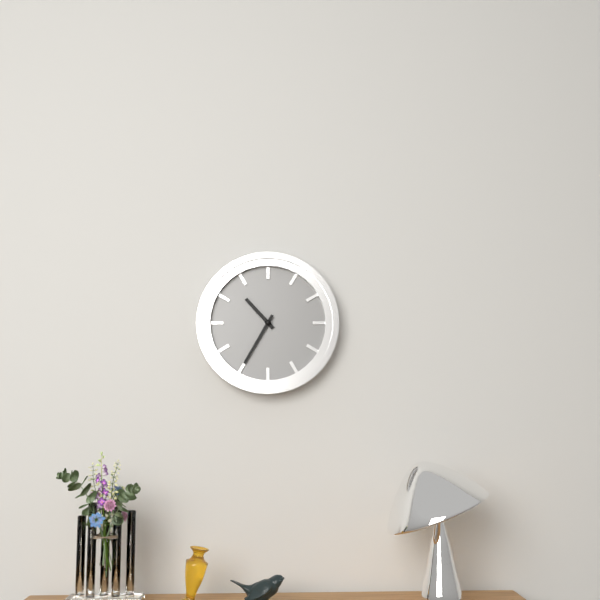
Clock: 10:35
